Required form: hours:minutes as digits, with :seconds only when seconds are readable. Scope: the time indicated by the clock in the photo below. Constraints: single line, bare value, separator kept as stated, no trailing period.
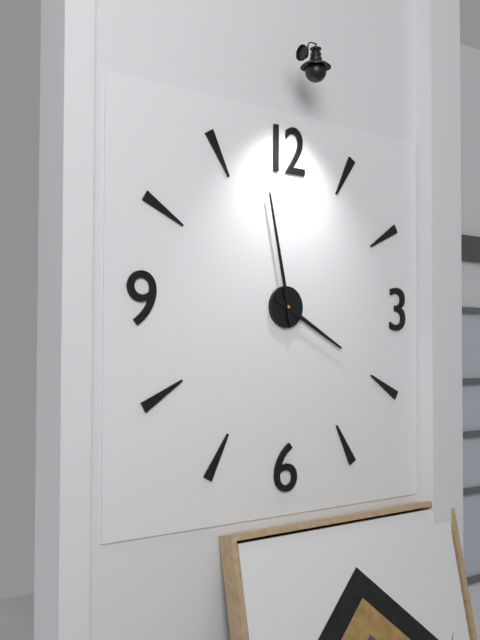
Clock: 3:58
